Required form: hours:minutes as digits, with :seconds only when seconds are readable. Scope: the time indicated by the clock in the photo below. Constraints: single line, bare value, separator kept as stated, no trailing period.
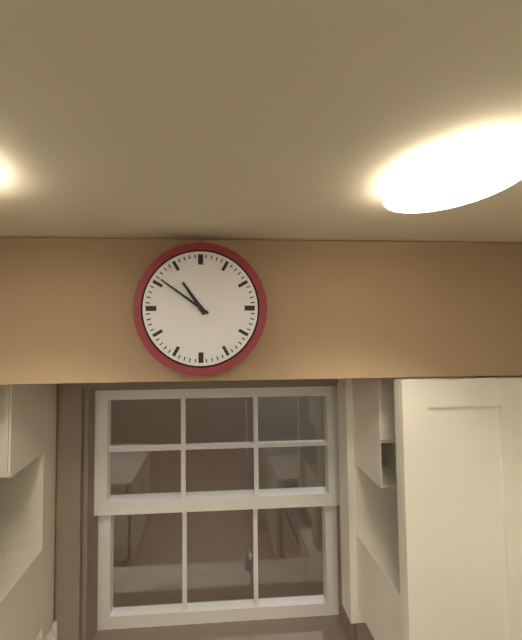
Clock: 10:51
